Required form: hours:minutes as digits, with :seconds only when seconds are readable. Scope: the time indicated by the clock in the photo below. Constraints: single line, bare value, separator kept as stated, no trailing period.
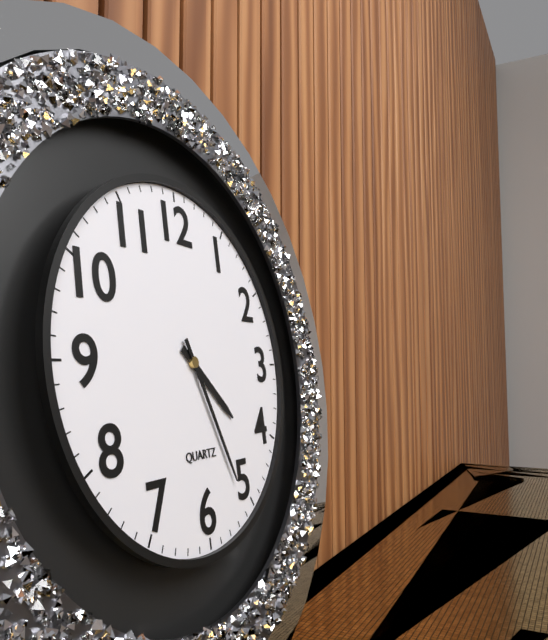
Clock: 4:26
